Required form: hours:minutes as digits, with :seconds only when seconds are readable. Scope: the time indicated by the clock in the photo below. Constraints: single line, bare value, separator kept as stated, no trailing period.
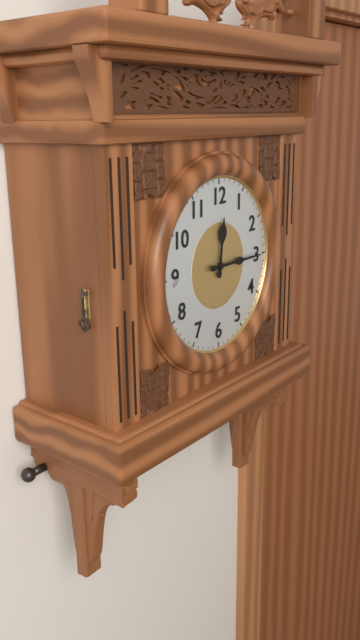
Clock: 12:15
